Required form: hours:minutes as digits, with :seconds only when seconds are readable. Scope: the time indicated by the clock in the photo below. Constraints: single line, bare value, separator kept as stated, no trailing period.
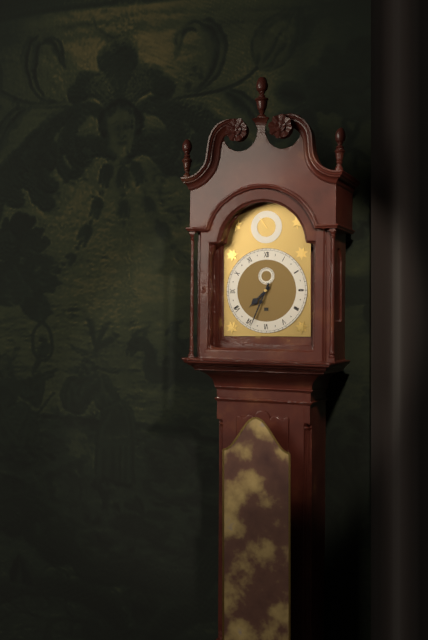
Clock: 7:34
